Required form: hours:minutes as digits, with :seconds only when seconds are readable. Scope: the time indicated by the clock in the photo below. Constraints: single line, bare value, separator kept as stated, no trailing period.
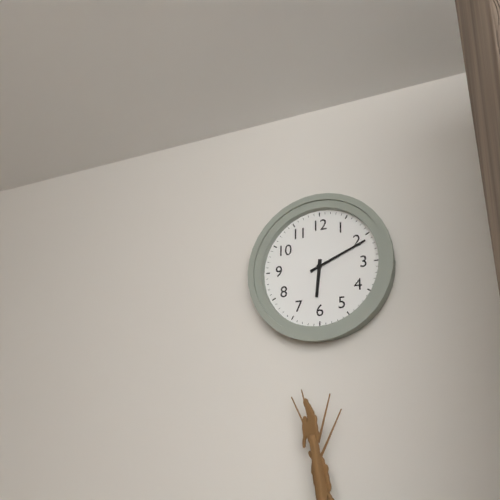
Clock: 6:11
